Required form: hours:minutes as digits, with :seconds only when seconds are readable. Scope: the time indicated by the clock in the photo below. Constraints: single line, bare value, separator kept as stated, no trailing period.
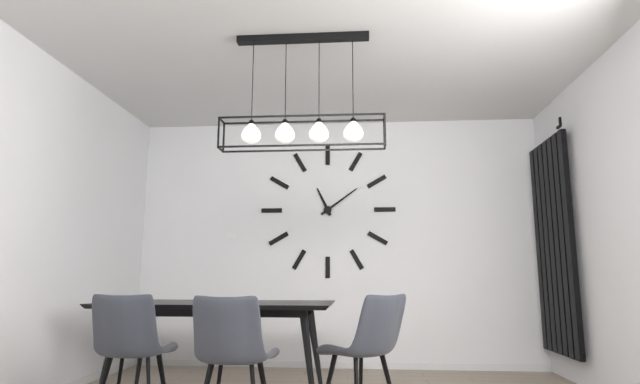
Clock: 11:09
